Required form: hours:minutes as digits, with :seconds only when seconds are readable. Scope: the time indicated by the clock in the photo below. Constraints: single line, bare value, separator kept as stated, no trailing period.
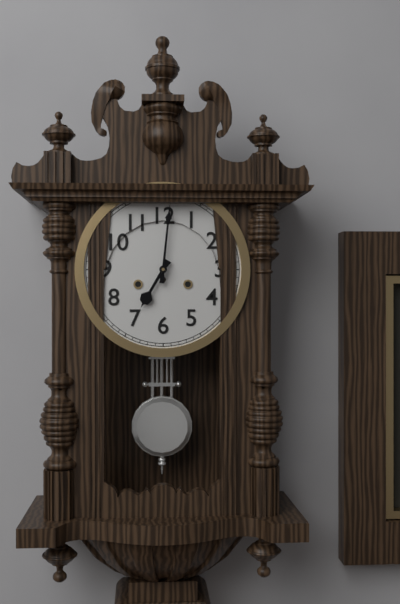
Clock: 7:01
